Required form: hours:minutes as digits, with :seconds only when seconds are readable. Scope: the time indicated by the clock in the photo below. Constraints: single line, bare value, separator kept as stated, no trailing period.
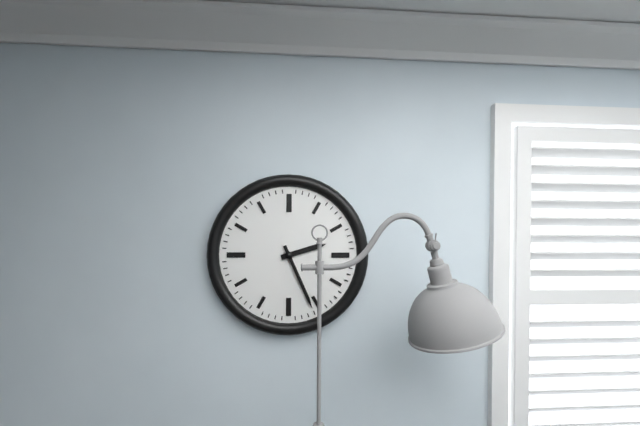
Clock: 2:26
